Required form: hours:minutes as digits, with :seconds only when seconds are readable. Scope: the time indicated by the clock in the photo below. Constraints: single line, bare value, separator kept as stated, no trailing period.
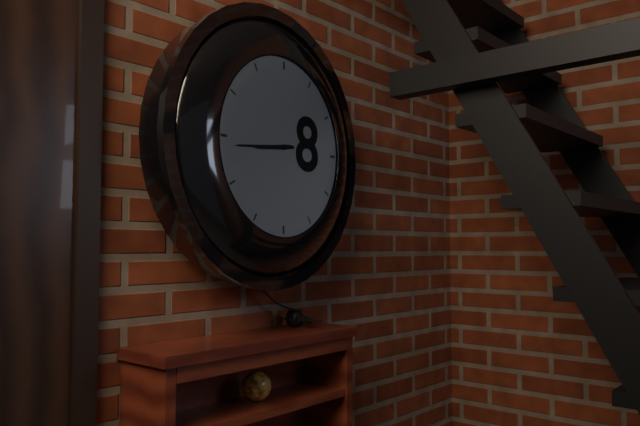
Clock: 8:44
